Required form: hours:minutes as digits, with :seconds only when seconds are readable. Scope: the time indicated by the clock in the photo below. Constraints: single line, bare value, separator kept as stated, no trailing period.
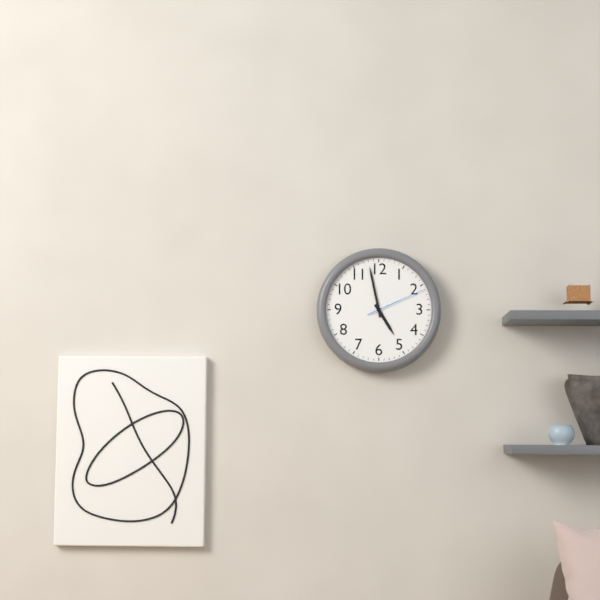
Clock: 4:58:11
